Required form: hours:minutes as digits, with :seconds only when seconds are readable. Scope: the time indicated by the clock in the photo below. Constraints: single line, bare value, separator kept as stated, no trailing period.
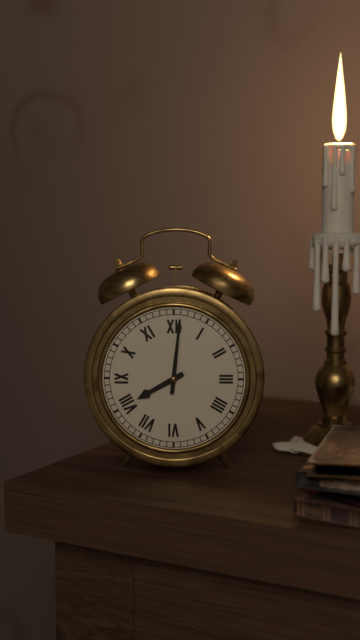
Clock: 8:01
